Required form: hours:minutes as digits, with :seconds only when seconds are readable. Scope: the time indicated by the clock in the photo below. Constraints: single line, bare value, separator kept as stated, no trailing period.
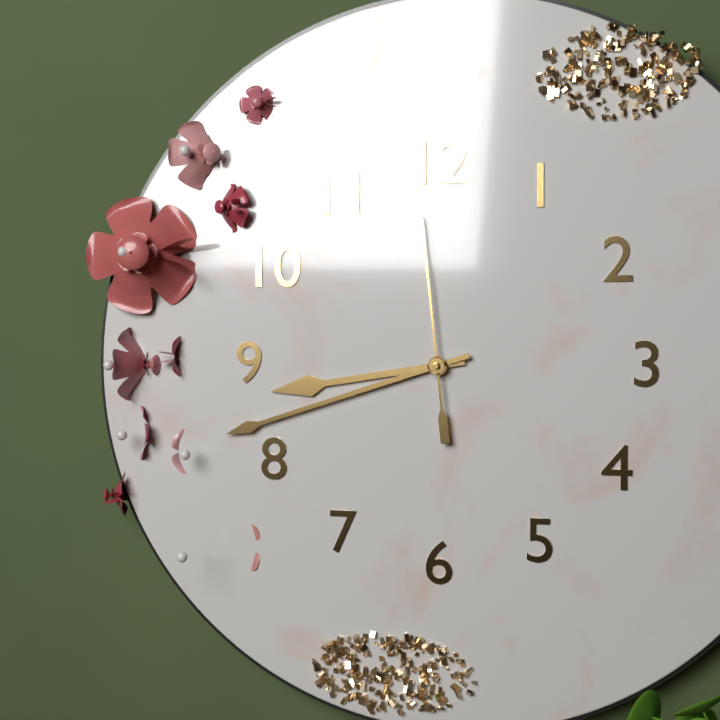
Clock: 8:42:59
